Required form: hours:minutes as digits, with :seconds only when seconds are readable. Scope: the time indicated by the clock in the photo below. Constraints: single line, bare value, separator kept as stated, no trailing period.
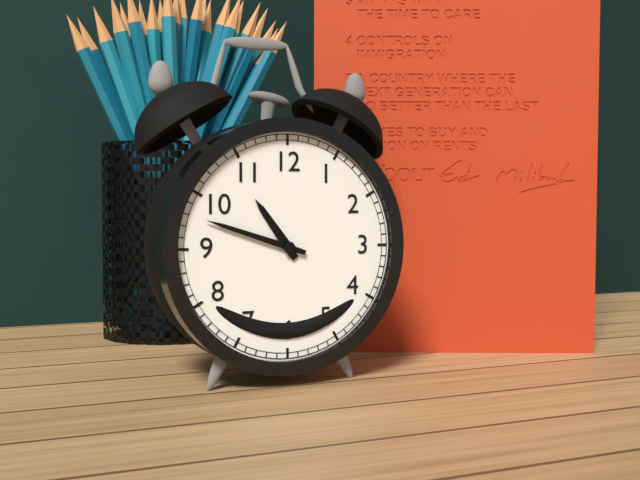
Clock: 10:48
